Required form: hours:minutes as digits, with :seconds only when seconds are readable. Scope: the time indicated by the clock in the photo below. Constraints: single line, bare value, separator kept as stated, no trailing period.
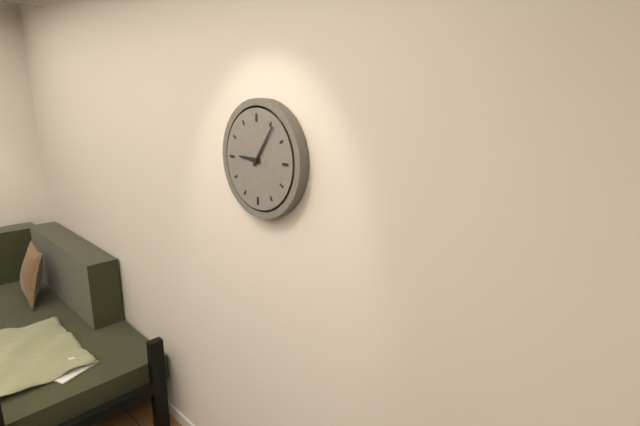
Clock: 9:06
